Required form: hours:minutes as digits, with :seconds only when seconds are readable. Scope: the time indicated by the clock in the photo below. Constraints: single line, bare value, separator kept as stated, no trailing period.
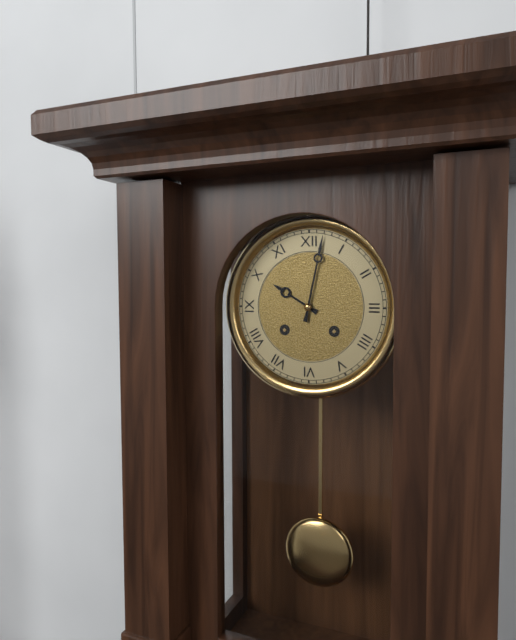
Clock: 10:02
